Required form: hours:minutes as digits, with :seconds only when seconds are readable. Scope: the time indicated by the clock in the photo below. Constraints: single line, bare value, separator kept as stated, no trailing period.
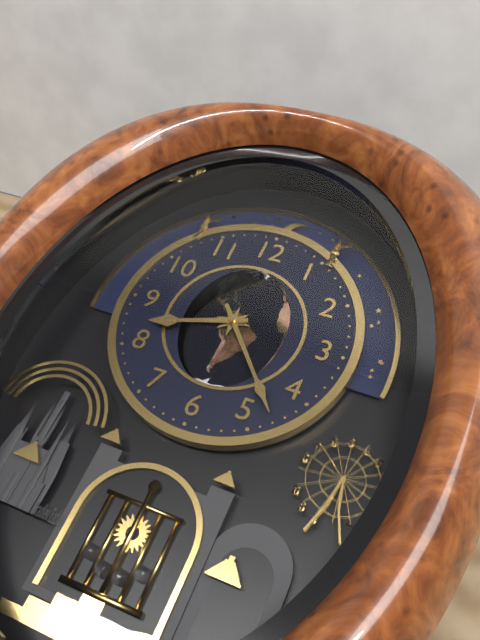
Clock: 8:23
